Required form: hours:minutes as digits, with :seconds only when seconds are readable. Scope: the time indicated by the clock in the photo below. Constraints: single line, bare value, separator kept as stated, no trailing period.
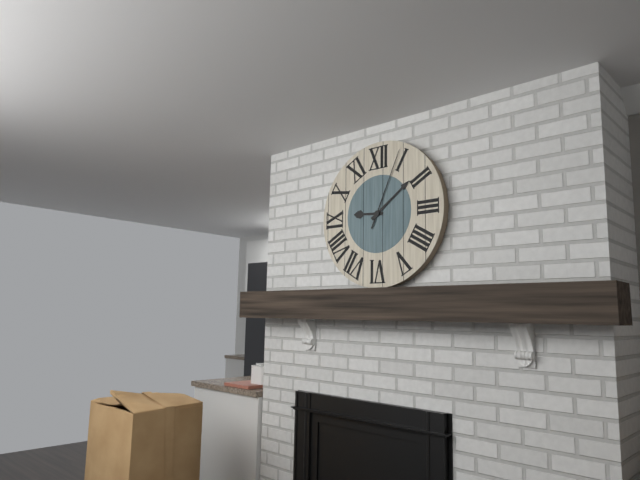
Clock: 9:09:04
